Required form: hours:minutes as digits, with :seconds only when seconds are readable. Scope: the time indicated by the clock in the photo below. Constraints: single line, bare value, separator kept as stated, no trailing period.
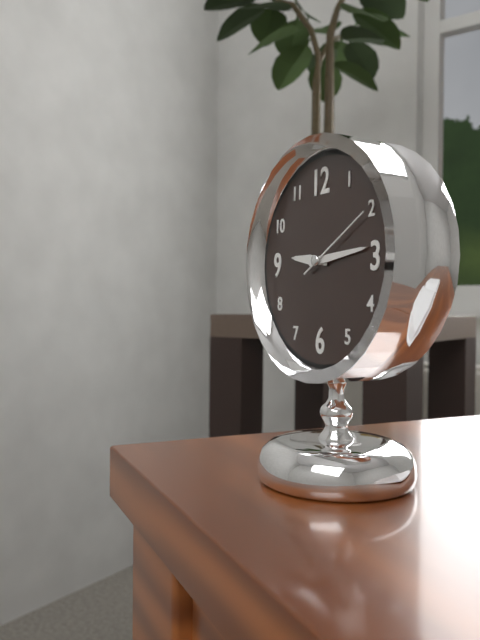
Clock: 9:14:10
